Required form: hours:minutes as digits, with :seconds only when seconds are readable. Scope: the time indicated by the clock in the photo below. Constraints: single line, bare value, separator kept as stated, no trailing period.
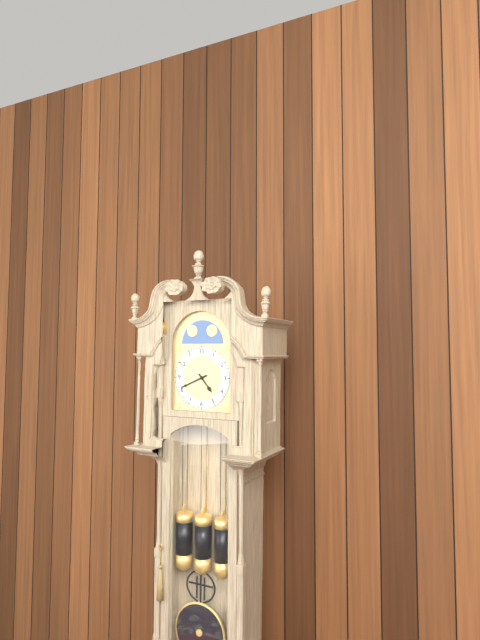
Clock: 4:41
